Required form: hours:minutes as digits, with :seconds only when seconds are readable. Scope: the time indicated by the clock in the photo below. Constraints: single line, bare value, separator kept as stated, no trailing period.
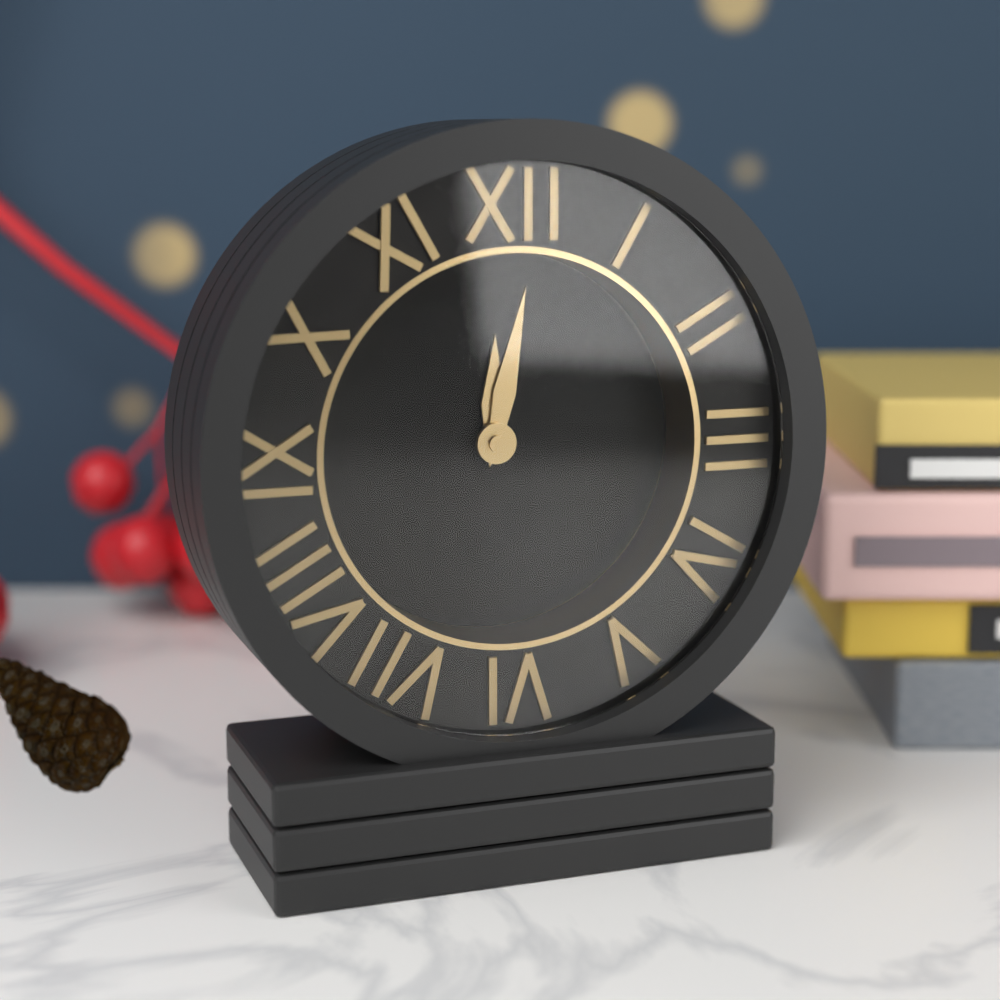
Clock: 12:02
